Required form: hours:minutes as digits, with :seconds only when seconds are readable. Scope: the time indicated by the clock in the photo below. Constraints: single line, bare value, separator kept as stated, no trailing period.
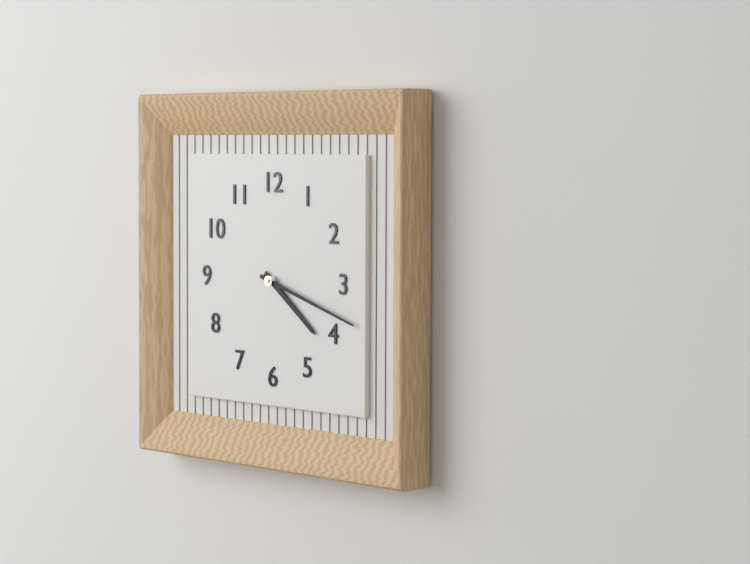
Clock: 4:18
